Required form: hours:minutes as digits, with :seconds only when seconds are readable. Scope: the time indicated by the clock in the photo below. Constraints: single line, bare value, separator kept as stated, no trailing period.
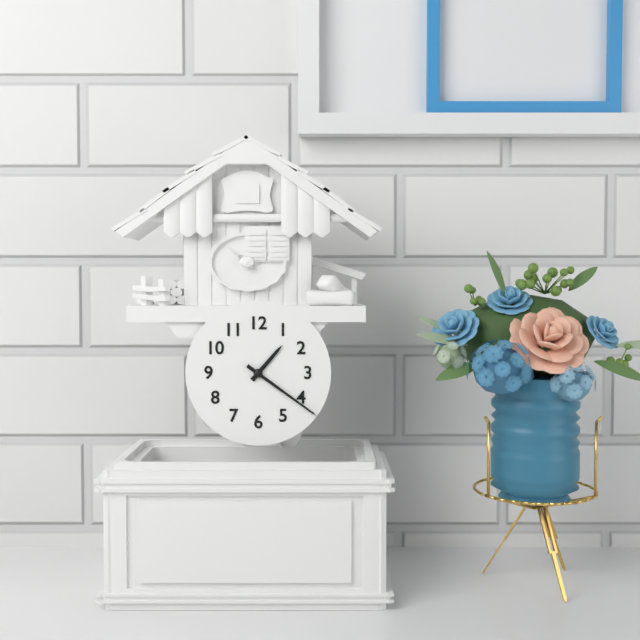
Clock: 1:21
